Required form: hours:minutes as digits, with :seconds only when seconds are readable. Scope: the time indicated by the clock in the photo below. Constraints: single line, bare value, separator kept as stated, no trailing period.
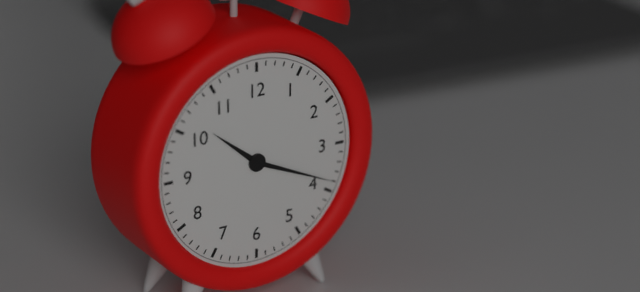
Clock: 10:19
